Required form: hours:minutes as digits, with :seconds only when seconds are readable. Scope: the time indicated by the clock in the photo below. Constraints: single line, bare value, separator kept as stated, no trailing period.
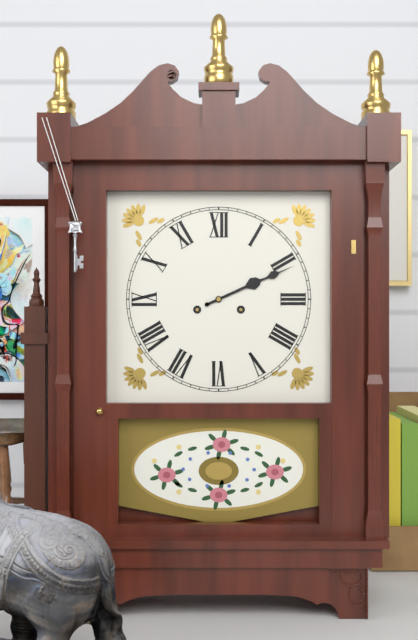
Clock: 2:11
